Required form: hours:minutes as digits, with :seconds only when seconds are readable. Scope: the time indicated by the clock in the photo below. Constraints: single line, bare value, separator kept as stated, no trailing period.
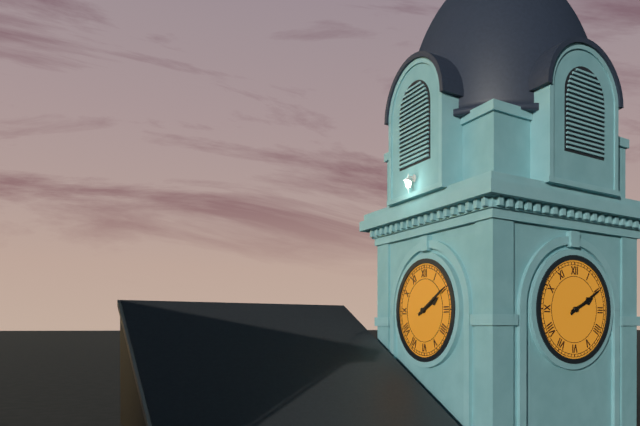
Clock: 2:10
